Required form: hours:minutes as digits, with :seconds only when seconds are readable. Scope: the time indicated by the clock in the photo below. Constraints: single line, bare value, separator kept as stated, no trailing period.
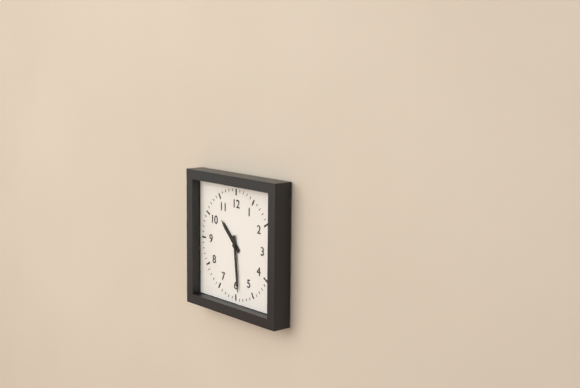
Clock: 10:29
